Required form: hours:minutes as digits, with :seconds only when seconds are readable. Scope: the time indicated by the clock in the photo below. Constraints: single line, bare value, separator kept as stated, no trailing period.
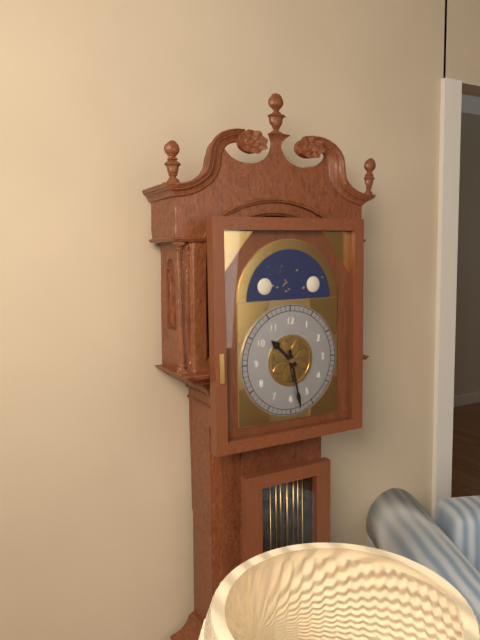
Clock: 10:28
